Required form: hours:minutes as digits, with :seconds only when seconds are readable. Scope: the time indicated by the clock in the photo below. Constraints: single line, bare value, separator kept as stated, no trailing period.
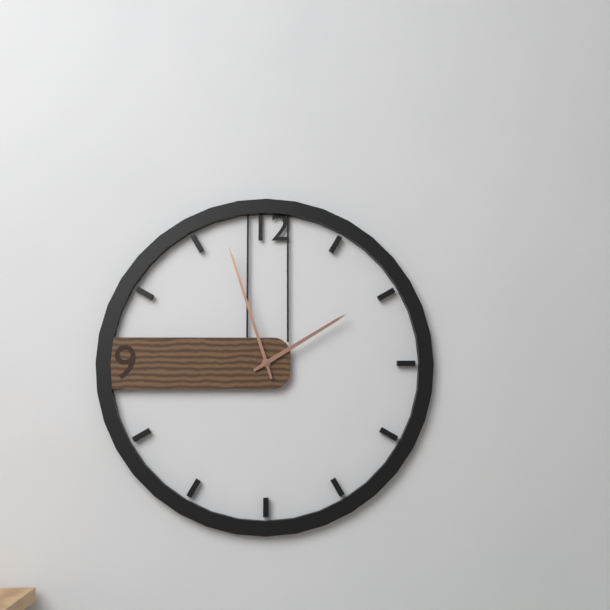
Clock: 1:57
